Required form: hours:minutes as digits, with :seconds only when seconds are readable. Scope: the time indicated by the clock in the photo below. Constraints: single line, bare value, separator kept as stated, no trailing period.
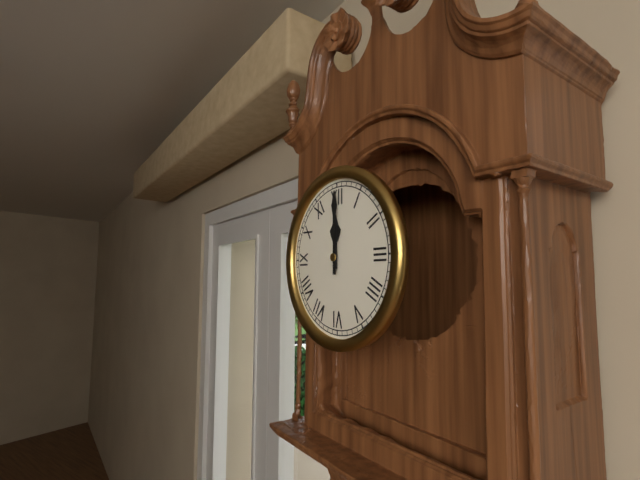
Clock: 12:00
